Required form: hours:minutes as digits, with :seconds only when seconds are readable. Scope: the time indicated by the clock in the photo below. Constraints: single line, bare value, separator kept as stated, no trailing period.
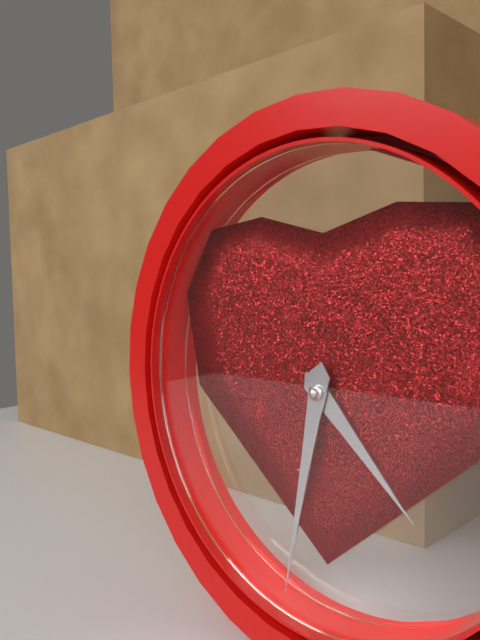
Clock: 4:32
